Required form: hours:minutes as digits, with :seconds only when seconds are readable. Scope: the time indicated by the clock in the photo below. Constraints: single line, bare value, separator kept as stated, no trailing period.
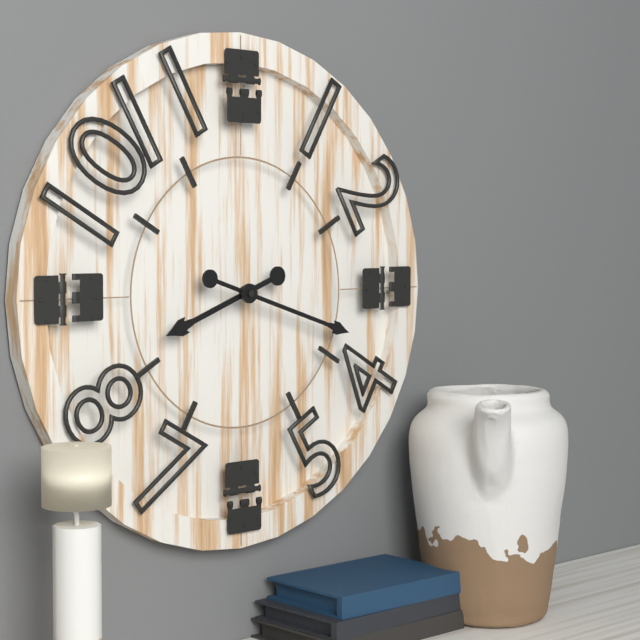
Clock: 8:18
